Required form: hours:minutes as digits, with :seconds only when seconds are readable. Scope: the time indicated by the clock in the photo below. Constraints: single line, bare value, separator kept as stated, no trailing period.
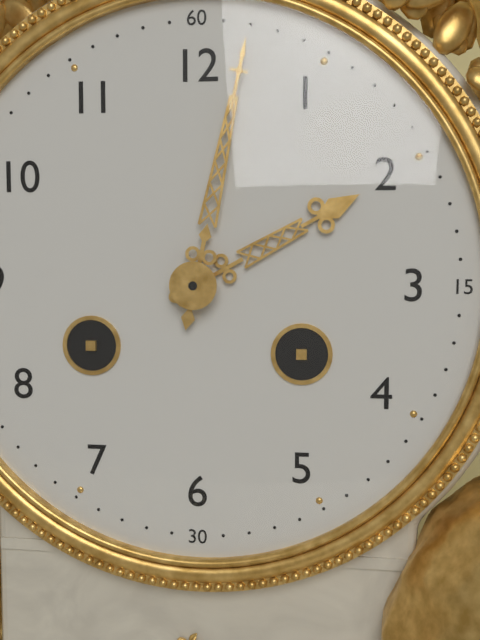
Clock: 2:02
